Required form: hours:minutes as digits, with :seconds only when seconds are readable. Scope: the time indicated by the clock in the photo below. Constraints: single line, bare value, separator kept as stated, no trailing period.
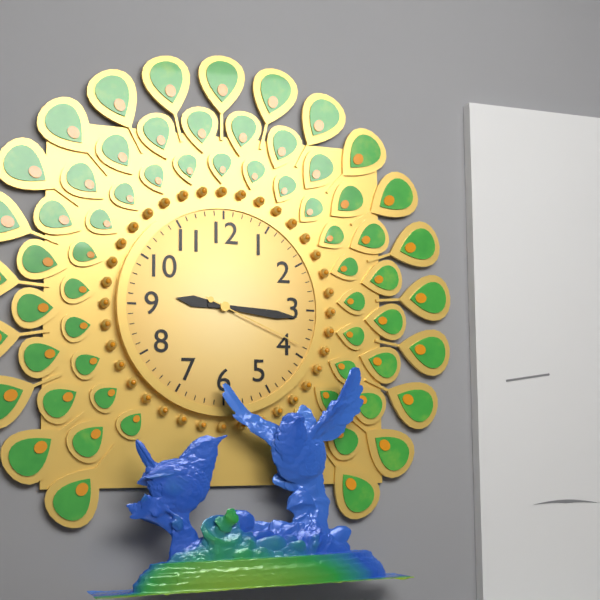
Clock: 9:16:19
